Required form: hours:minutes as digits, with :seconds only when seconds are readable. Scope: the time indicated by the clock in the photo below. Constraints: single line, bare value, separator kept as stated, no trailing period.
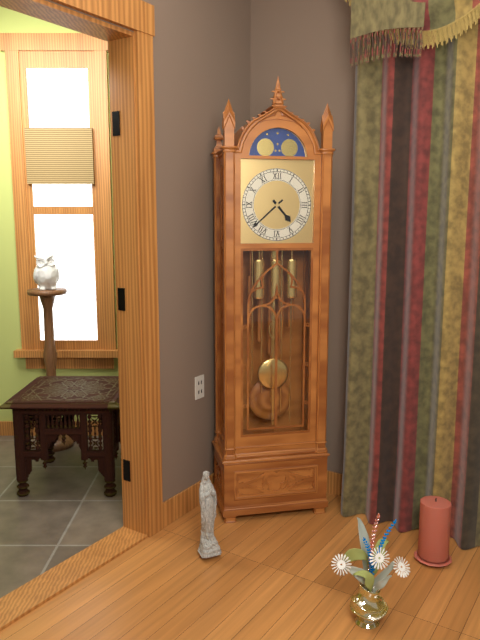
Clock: 4:38
